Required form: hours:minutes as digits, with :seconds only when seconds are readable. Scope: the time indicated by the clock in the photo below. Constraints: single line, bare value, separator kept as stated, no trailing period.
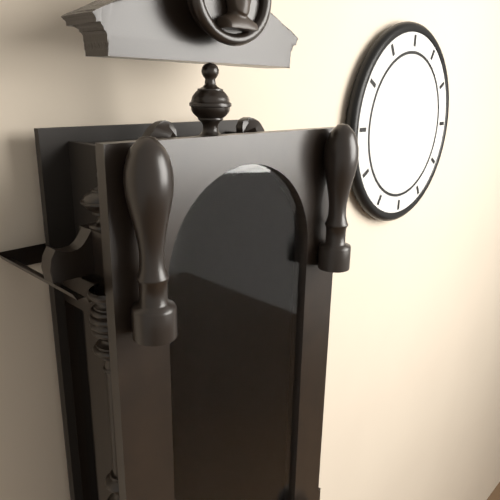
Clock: 3:49
